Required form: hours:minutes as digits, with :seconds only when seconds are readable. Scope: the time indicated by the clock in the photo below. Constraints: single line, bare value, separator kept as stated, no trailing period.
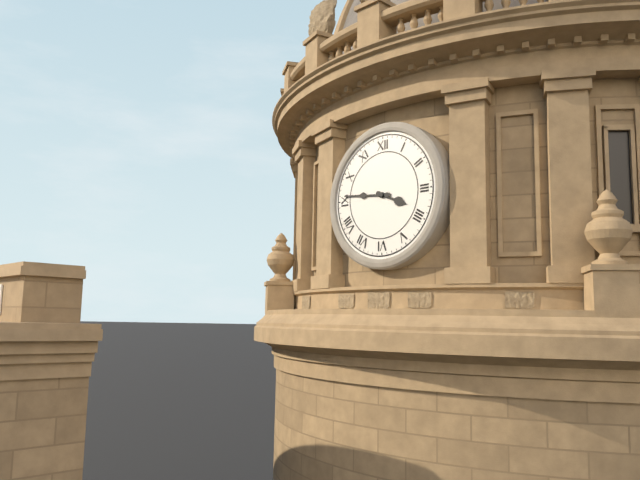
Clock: 3:46
